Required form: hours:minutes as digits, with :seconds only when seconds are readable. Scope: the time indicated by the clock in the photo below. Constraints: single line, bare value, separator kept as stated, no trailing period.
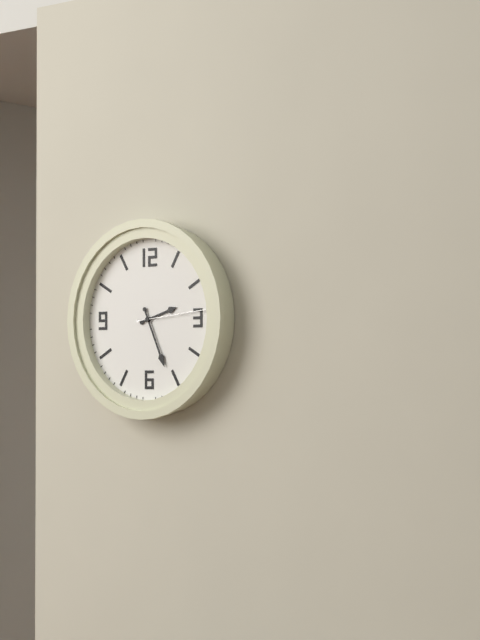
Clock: 2:26:14
